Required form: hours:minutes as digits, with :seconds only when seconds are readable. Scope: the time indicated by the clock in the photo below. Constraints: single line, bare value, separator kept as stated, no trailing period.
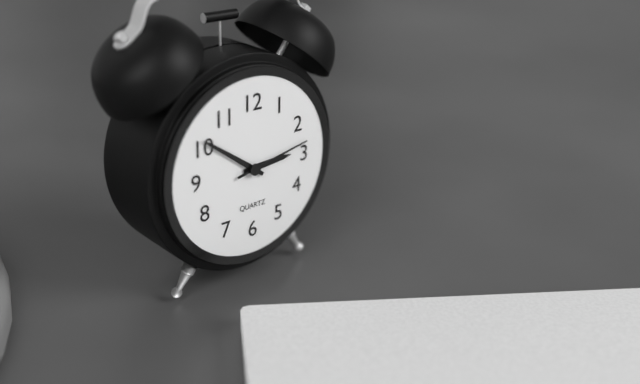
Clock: 2:51:13
